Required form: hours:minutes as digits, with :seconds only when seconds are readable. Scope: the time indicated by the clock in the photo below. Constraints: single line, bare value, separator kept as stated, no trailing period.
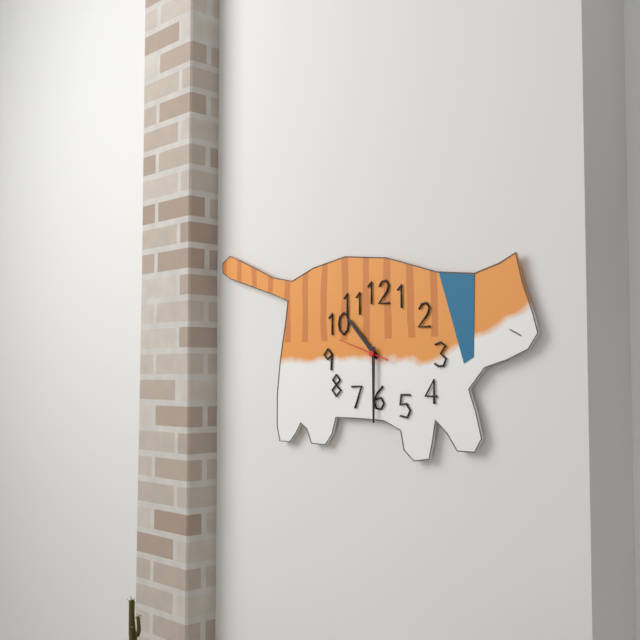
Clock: 10:30
